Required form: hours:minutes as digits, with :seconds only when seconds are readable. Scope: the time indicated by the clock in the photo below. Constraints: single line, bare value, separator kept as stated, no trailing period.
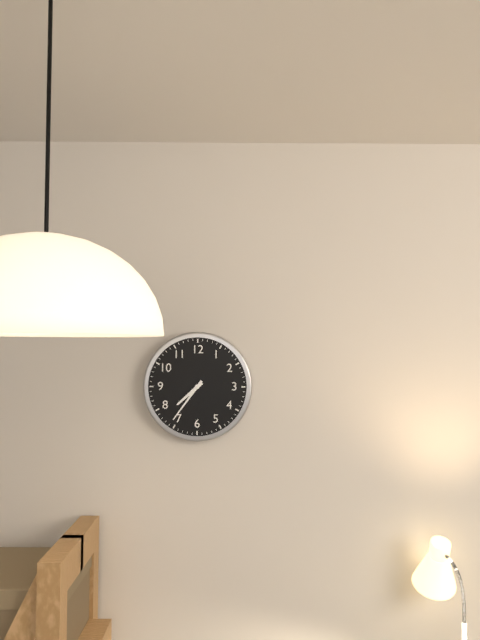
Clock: 7:36
